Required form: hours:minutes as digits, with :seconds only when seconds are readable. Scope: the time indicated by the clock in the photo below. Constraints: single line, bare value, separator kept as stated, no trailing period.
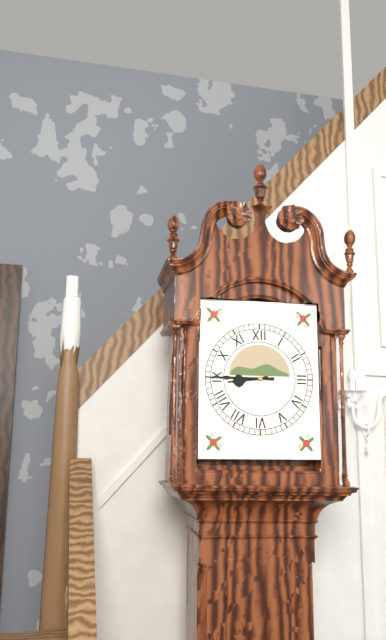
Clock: 8:45
